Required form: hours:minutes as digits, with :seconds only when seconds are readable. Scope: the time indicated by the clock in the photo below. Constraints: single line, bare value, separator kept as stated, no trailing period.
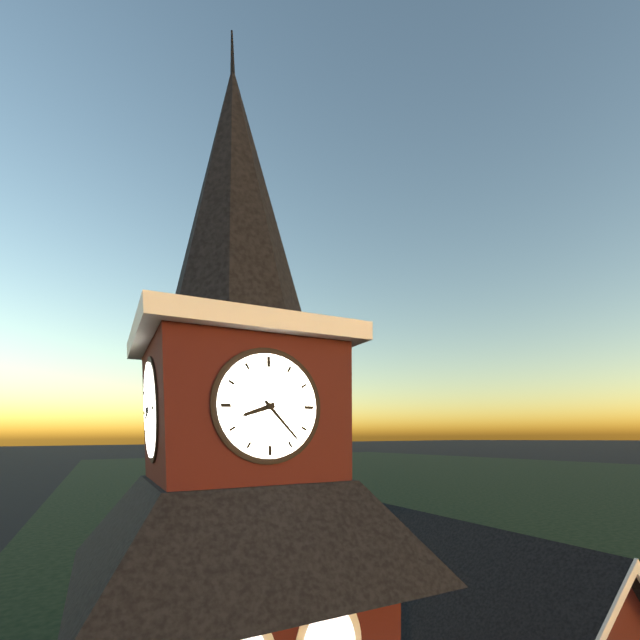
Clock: 8:23
